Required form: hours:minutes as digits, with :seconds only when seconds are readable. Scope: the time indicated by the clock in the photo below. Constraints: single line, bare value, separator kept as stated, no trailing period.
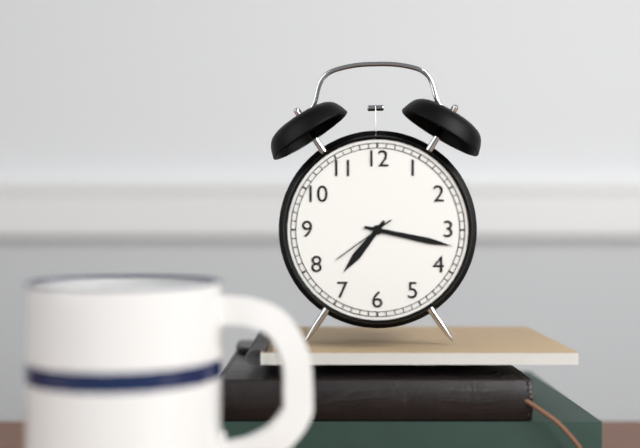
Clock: 7:17:39
